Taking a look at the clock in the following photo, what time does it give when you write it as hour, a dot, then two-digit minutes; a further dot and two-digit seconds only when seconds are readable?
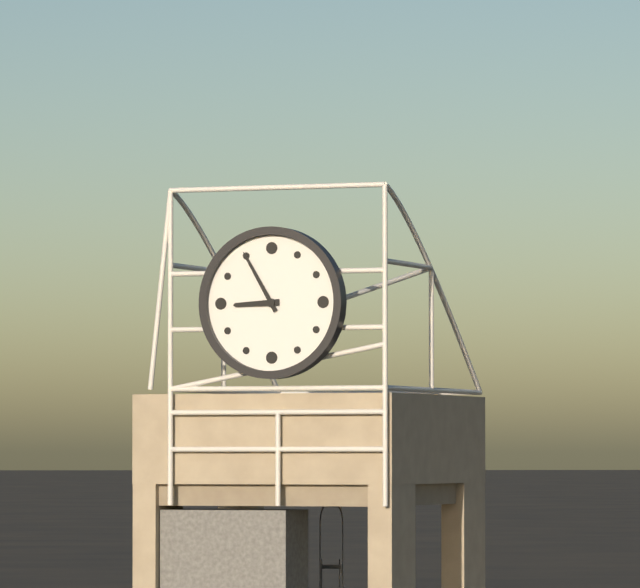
8.55
